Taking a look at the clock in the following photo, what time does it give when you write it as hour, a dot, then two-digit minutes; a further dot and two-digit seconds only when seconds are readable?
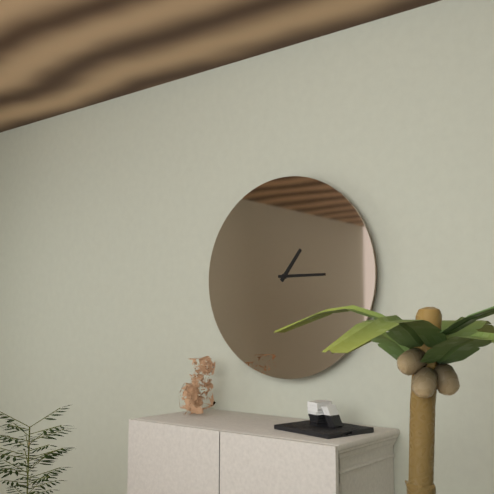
1.15
